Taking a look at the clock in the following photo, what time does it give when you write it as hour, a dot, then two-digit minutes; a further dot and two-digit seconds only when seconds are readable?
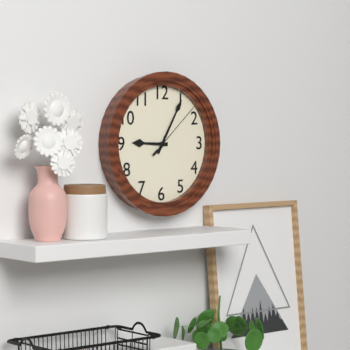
9.05.08
